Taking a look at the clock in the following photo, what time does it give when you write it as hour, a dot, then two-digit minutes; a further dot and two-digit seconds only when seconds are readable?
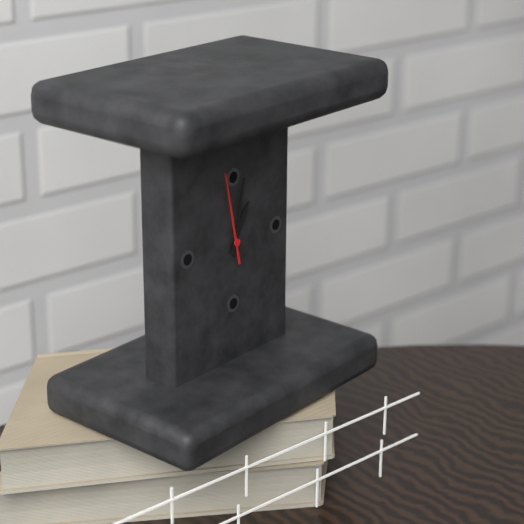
1.02.58
